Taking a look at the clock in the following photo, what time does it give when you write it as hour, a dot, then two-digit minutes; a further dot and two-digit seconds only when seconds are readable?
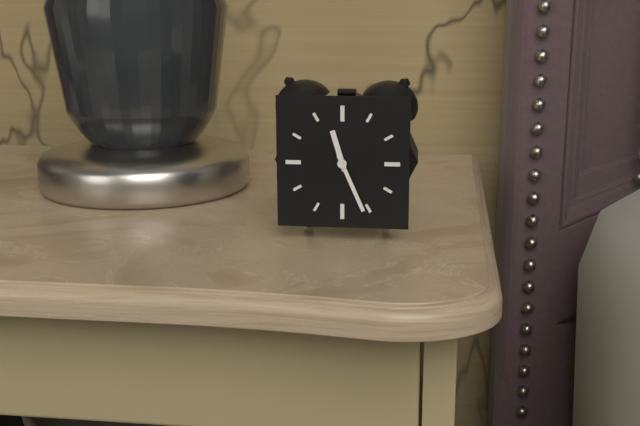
11.26
